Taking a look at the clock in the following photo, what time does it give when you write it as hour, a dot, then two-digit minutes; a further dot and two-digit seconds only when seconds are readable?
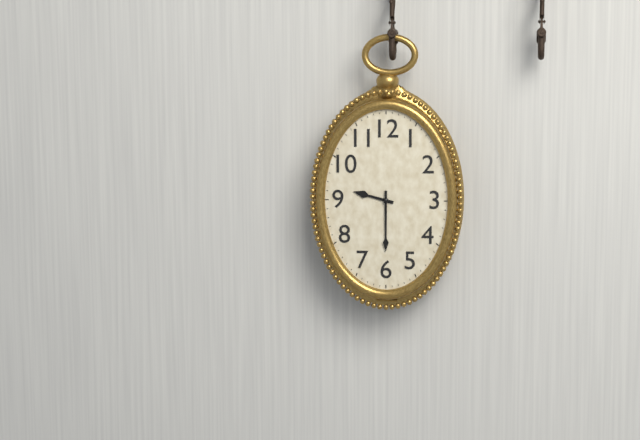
9.30
